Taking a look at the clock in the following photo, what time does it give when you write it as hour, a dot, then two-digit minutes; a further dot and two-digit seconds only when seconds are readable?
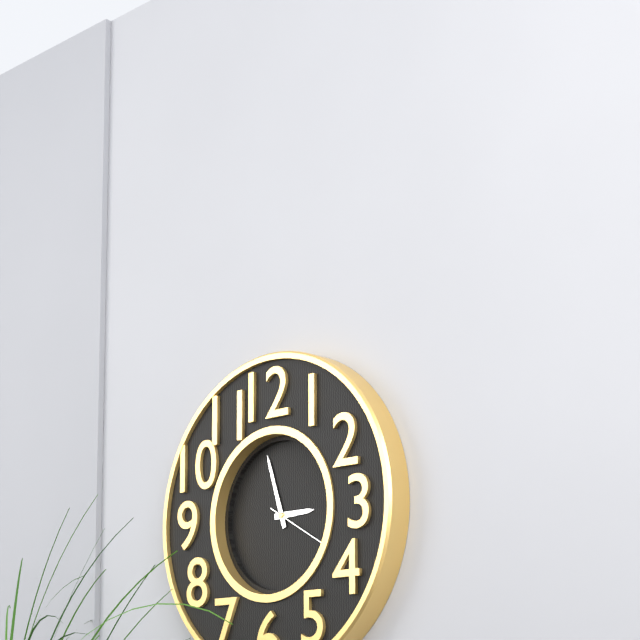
2.57.20
